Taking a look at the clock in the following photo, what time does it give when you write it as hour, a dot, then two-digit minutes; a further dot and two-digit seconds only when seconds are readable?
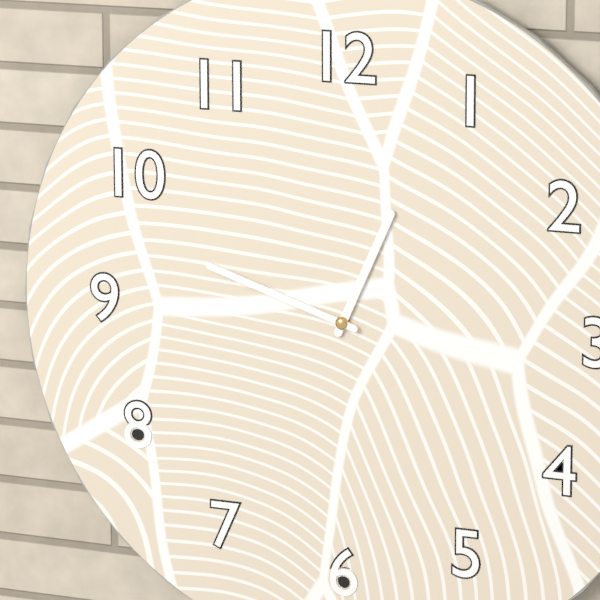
12.48
